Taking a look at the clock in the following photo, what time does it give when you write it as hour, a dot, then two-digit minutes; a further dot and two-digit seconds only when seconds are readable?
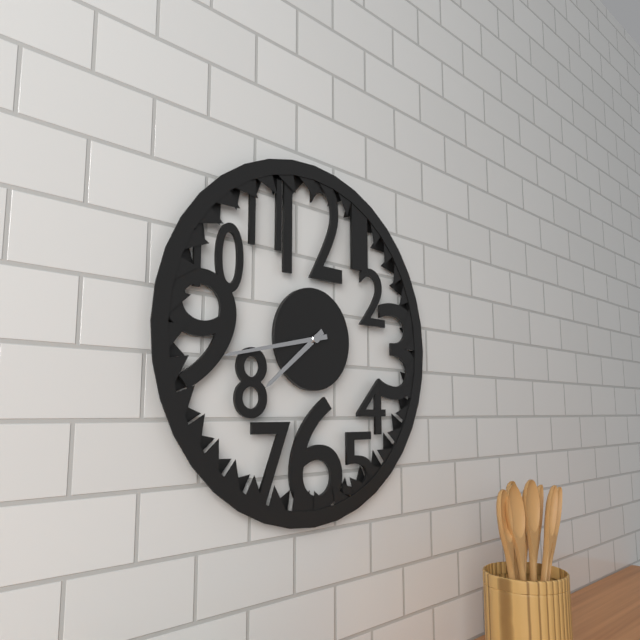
7.43
